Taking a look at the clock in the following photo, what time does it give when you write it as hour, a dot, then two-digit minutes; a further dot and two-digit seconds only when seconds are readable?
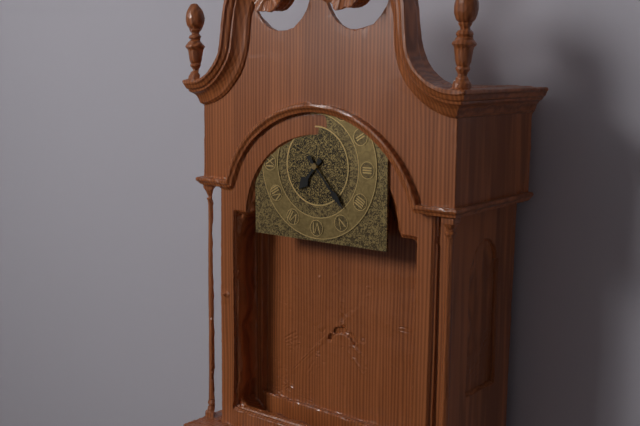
7.23
